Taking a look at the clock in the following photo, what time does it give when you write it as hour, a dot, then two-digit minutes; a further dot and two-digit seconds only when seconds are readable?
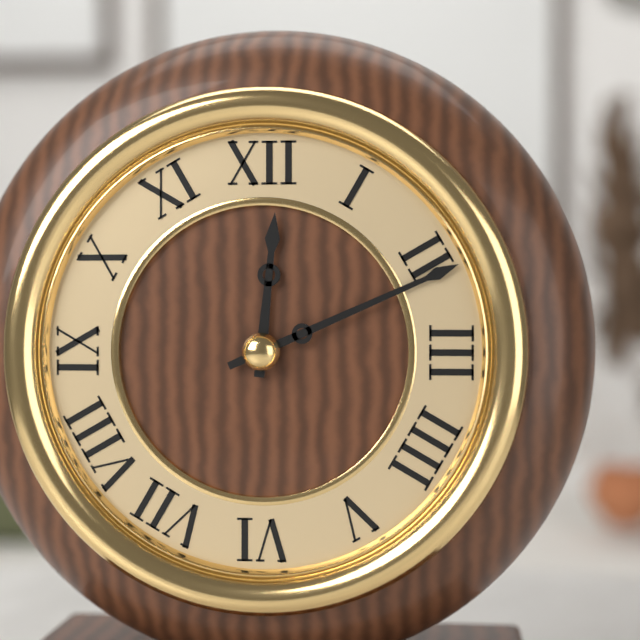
12.11
